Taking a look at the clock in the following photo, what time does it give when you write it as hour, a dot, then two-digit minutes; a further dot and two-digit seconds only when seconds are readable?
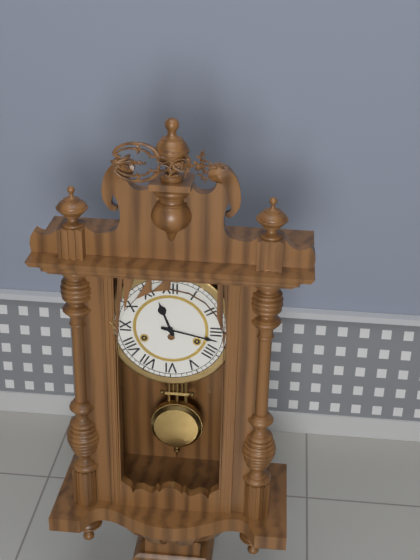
11.17
